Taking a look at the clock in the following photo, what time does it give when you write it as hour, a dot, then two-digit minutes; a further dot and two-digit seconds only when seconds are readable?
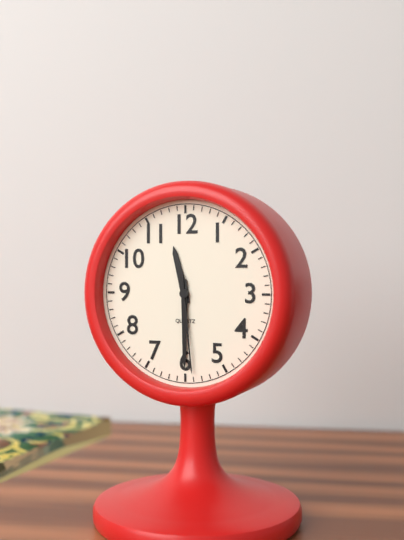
11.30.29
